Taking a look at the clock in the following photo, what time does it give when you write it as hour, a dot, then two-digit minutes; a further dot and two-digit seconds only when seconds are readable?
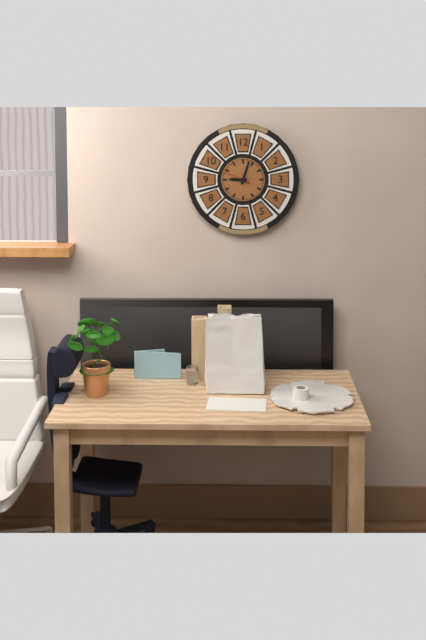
9.03
